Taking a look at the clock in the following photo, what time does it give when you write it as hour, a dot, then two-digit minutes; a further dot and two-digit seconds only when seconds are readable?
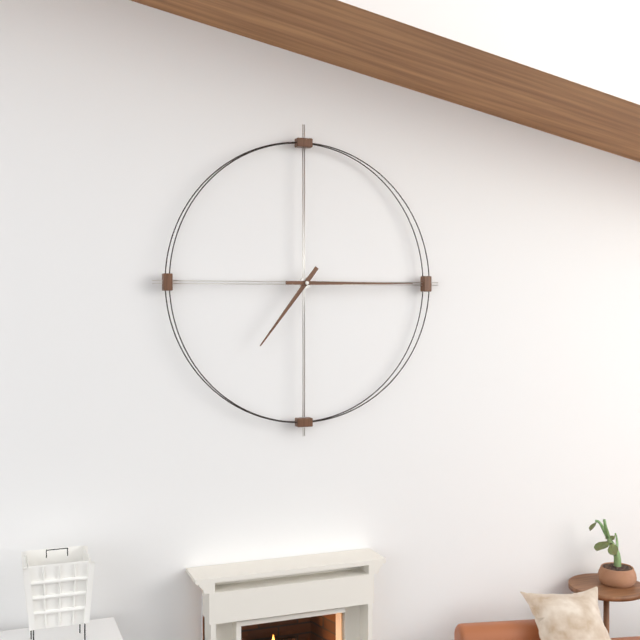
7.15
